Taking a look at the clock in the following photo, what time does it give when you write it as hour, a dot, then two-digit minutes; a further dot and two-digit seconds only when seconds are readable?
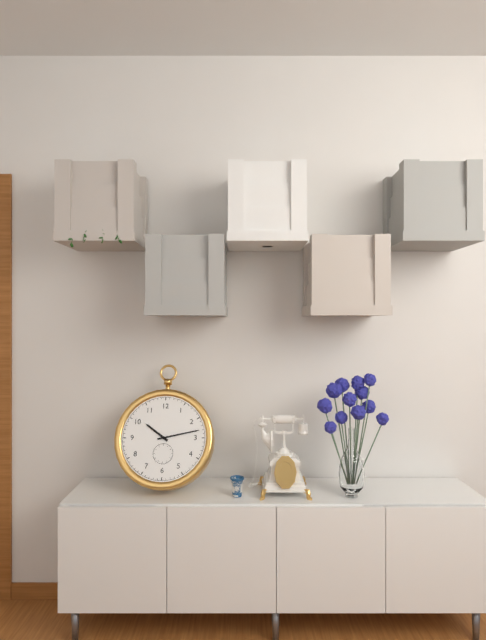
10.13
